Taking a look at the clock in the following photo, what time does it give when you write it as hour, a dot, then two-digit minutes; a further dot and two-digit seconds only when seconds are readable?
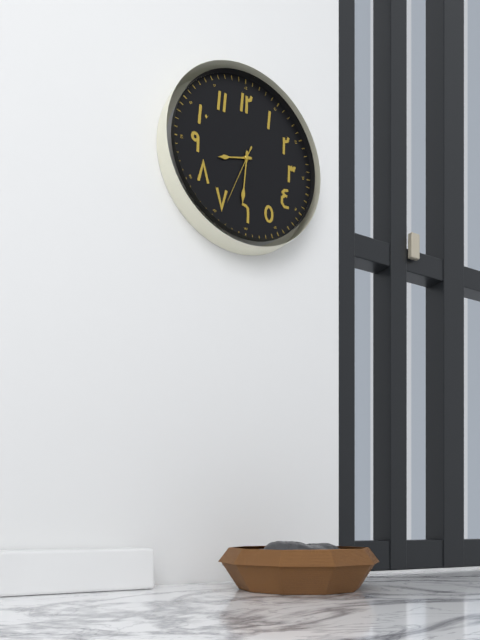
8.31.34
